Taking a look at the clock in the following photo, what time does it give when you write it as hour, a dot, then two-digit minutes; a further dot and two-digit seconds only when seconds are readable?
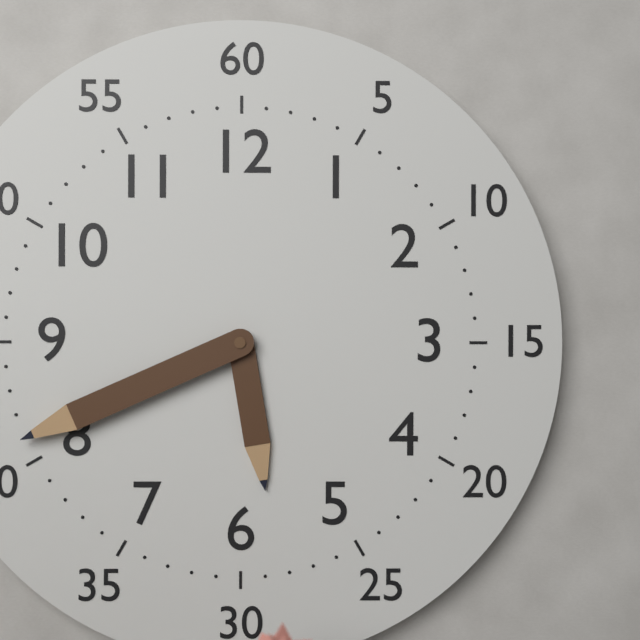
5.41
